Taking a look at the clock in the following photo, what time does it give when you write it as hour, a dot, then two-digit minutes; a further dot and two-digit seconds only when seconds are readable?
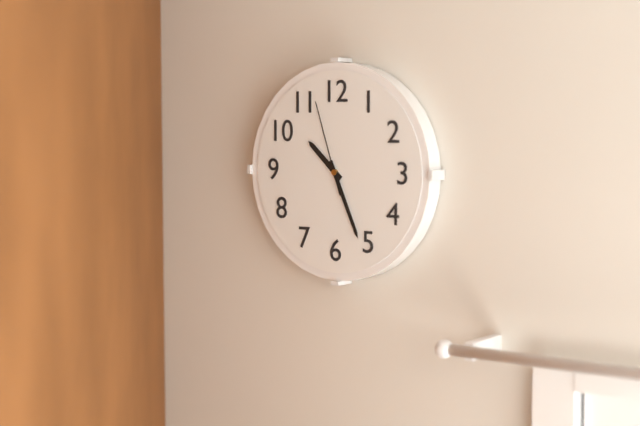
10.26.57
